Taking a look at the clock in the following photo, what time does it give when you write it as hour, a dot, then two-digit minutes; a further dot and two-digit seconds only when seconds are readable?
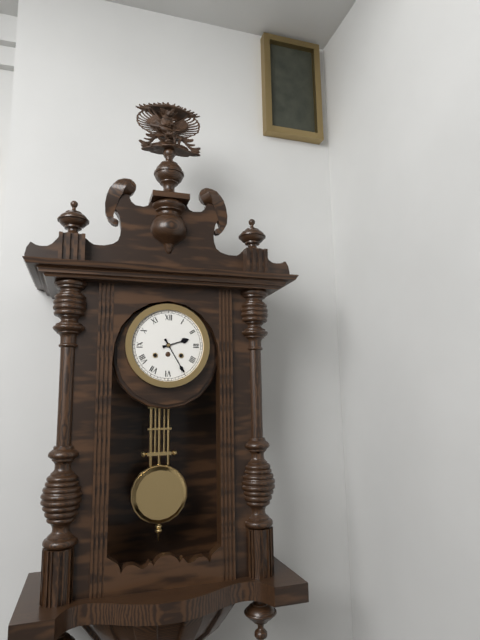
2.25
